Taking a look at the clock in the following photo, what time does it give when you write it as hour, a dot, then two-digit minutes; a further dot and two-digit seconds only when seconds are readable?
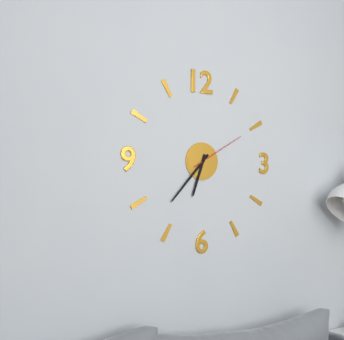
6.37.10
